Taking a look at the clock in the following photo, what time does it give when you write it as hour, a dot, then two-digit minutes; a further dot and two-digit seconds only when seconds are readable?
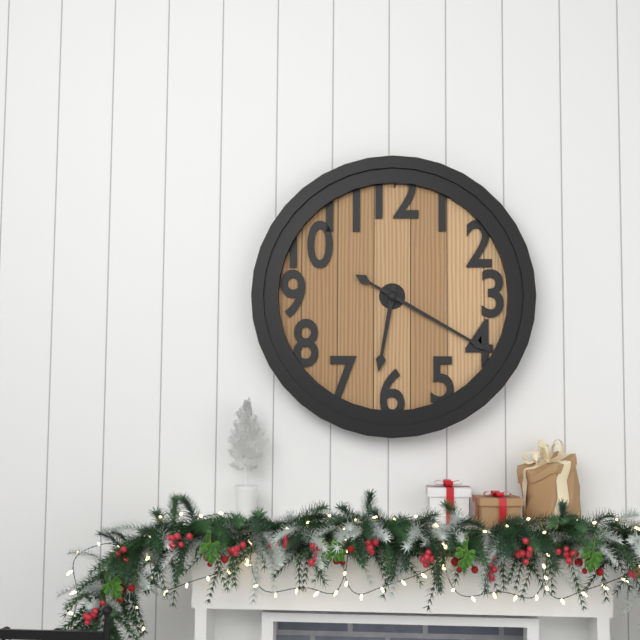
6.20
